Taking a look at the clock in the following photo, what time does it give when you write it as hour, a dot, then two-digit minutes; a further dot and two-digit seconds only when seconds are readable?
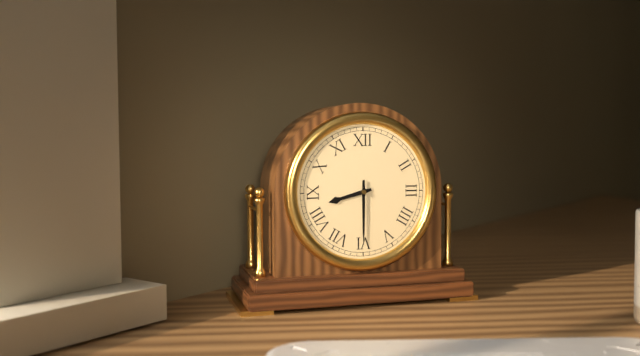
8.30
